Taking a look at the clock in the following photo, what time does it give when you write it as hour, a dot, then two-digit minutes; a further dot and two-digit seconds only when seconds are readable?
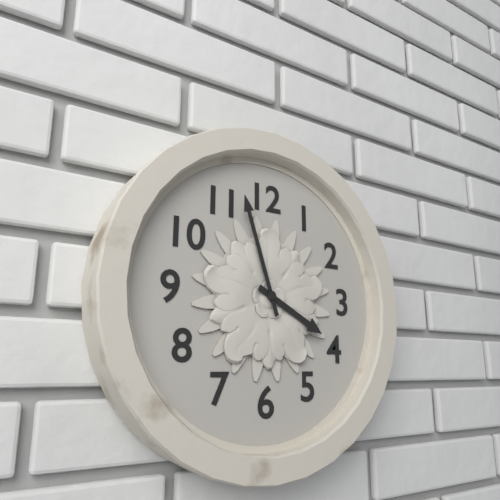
3.57
